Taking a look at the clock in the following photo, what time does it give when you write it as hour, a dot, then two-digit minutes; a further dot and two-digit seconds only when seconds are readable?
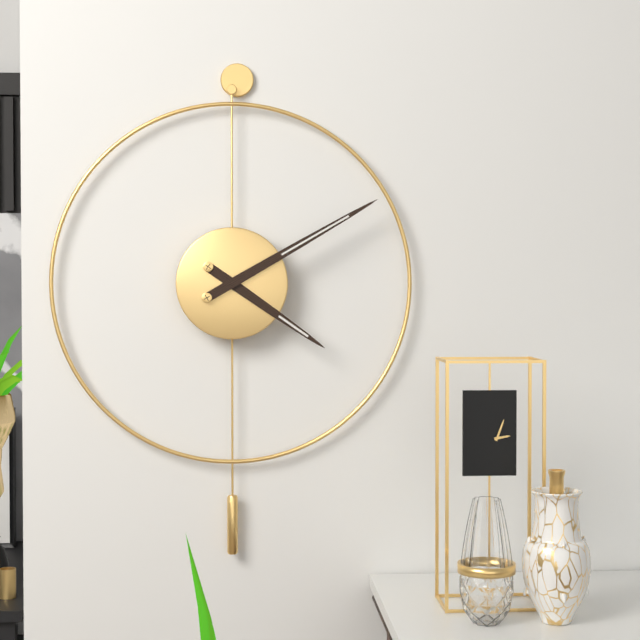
4.10
